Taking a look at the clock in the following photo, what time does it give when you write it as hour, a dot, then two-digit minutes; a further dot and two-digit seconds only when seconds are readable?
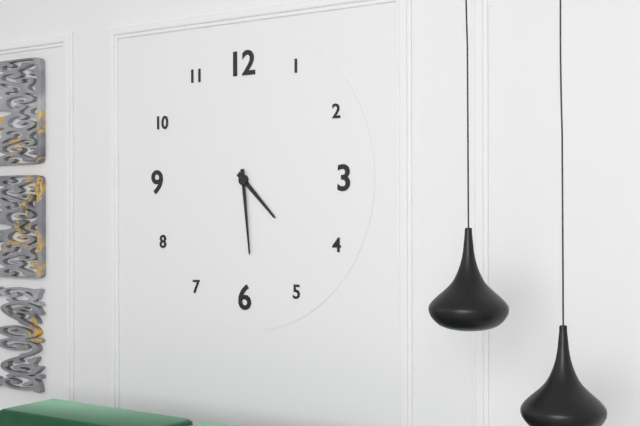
4.29
